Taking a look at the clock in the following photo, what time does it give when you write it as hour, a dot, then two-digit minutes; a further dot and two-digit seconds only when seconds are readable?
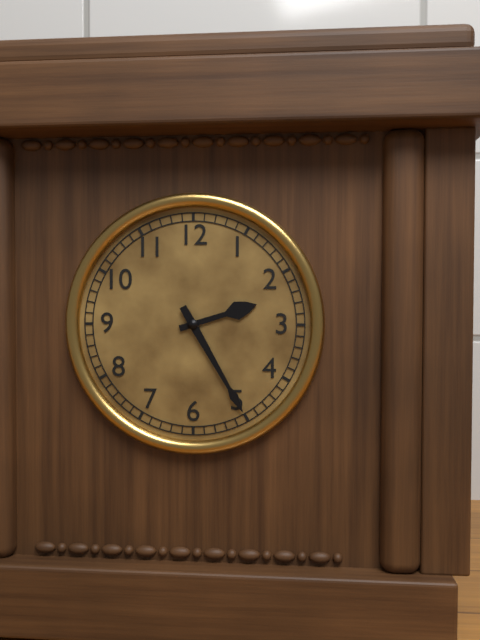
2.25
